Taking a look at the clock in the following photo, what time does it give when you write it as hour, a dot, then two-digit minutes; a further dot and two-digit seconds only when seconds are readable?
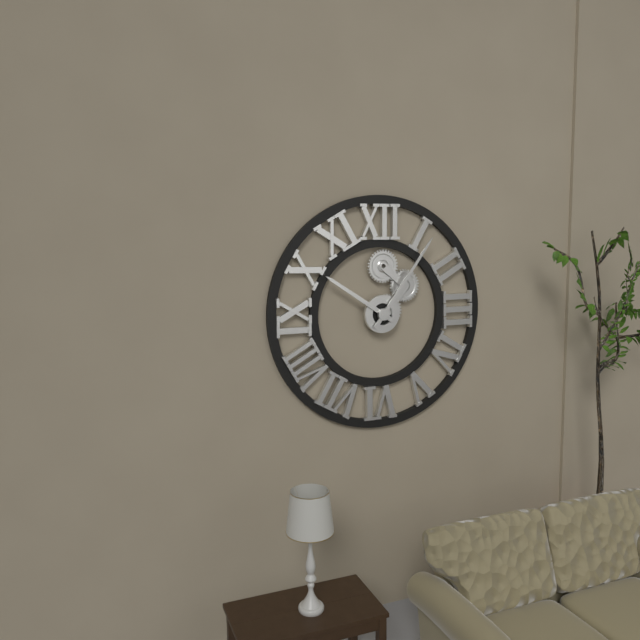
10.06
